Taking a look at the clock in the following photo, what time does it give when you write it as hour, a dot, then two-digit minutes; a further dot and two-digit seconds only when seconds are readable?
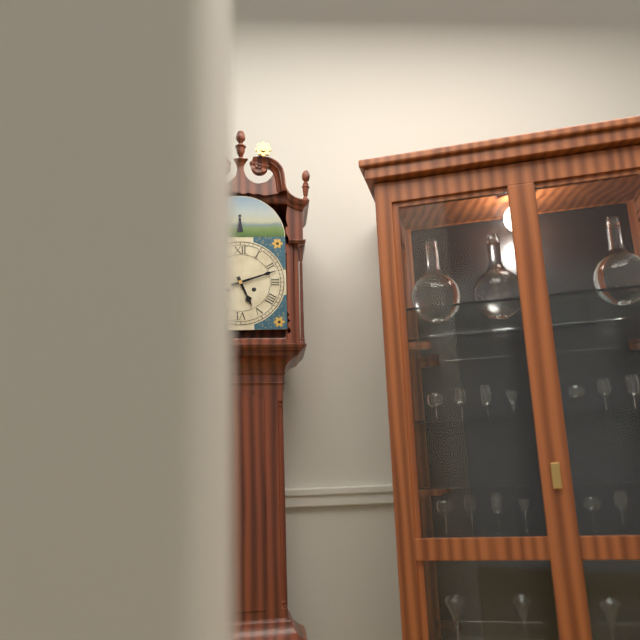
5.12
